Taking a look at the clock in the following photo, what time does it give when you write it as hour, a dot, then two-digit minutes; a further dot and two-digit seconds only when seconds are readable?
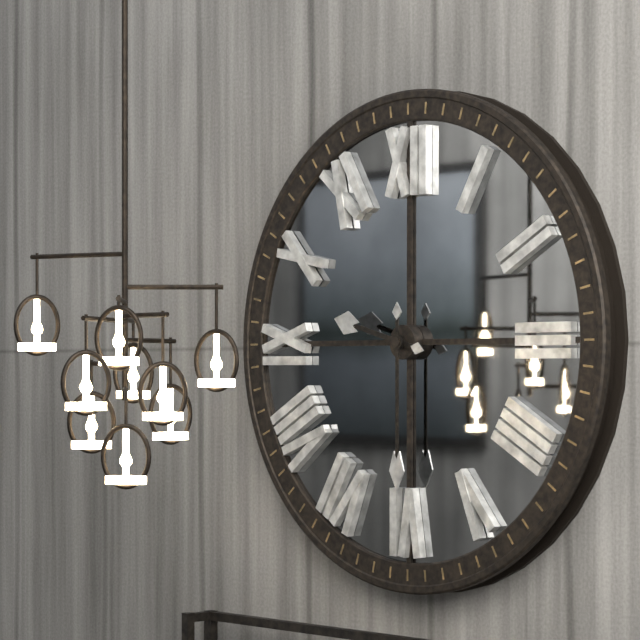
9.30
